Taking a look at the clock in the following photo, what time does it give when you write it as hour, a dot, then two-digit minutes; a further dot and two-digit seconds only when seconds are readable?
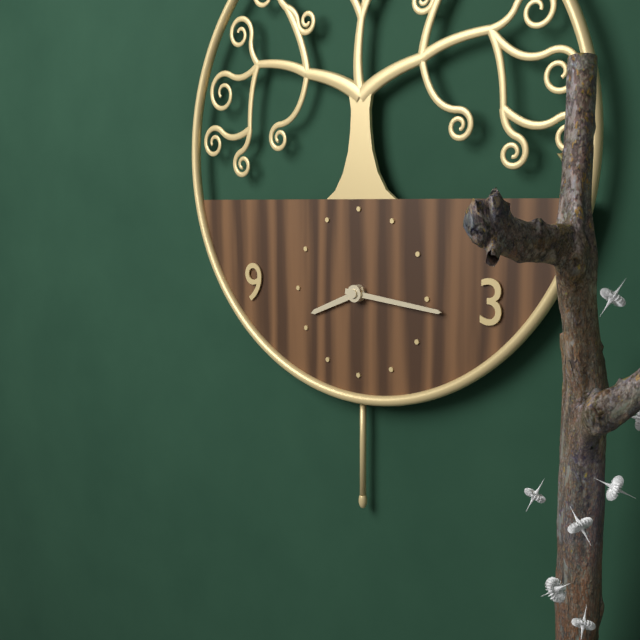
8.16
